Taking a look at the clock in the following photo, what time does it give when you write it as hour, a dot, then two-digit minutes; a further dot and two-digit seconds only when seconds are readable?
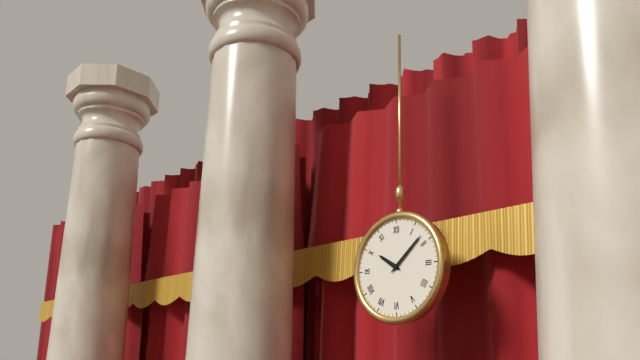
10.08
